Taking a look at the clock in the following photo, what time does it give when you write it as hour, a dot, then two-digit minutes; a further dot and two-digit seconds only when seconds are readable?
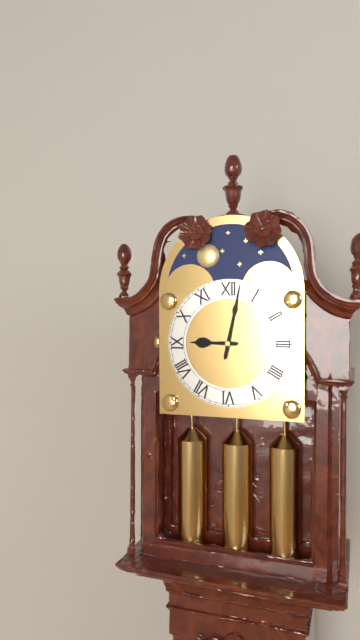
9.02
